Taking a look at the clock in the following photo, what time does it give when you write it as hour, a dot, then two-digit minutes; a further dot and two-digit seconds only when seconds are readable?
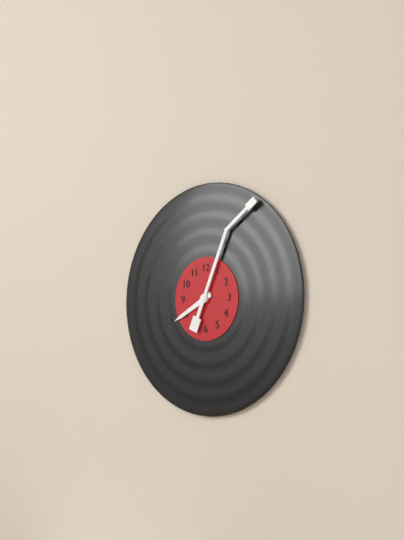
8.04
